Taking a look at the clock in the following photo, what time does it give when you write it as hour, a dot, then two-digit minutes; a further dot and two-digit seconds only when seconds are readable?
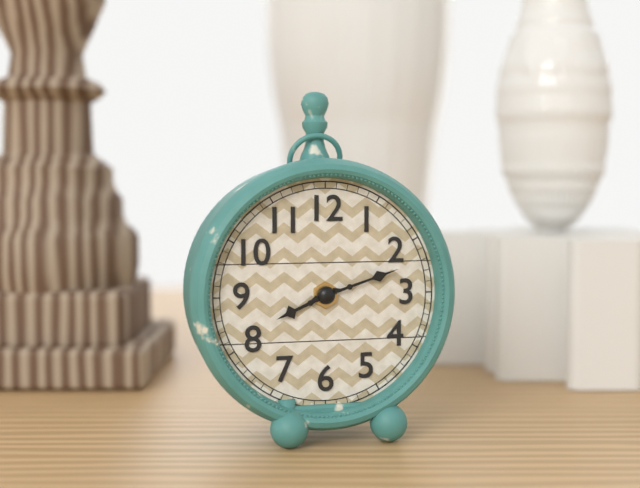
8.12
